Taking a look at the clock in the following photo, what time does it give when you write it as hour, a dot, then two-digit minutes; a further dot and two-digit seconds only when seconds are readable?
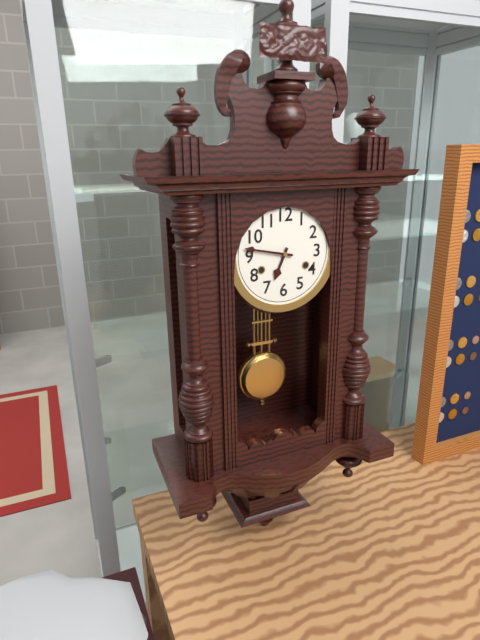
6.47
